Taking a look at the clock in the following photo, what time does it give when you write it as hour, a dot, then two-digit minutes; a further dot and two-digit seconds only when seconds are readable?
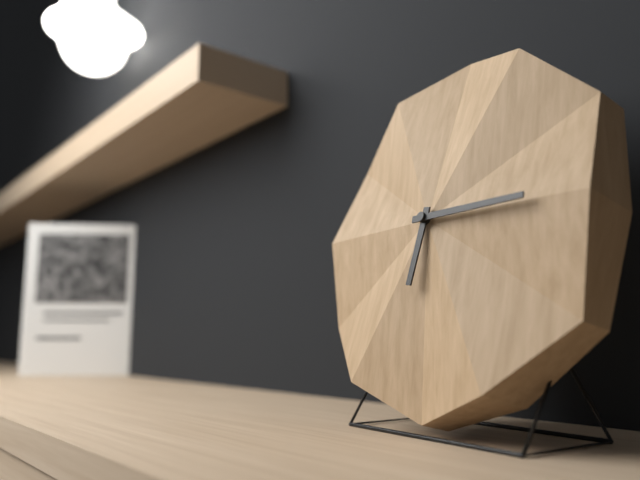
6.15
